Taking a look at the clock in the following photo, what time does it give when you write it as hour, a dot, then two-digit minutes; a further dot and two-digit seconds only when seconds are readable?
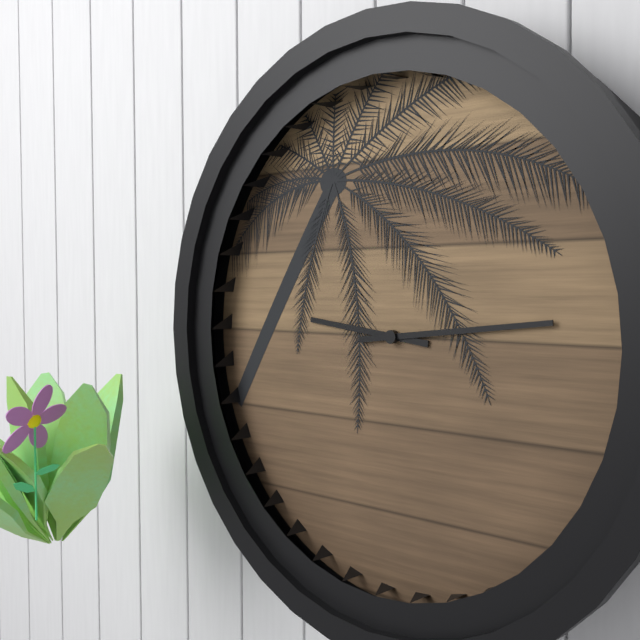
9.14
